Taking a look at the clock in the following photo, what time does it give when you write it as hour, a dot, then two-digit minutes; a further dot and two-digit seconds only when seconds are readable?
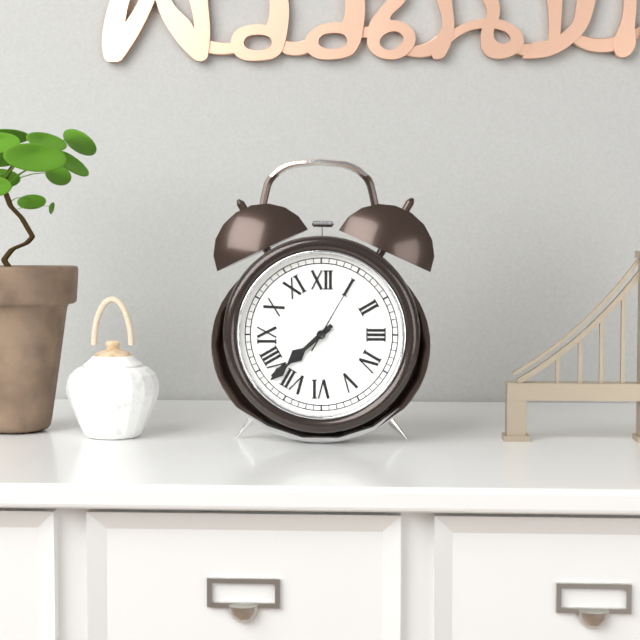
7.38.05
